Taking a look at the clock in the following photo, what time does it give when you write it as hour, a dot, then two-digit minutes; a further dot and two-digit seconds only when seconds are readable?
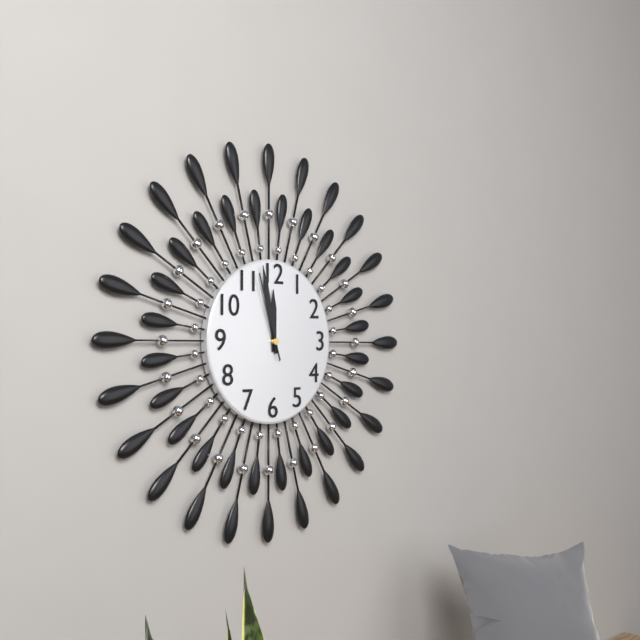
11.58.57
